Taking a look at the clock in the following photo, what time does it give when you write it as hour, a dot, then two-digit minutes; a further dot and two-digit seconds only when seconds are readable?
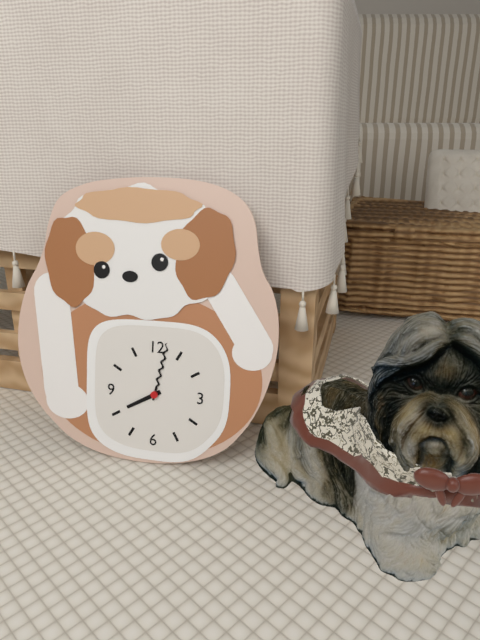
8.02
